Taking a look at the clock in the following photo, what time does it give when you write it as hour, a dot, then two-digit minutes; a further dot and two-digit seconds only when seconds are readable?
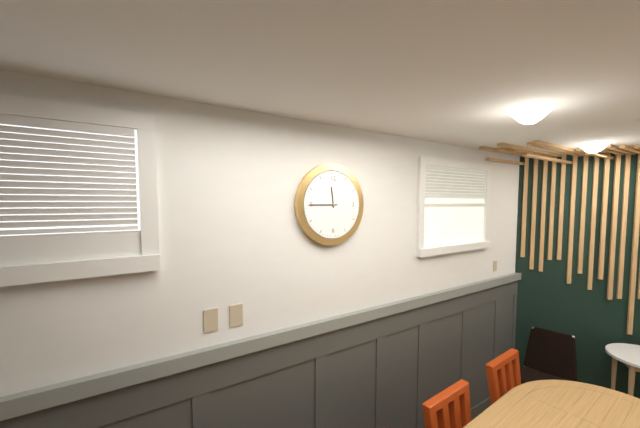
11.45
